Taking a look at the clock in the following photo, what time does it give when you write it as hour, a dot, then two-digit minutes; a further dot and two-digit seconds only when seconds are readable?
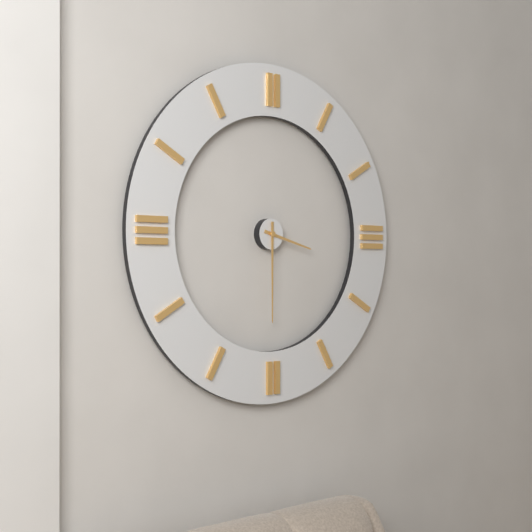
3.30
